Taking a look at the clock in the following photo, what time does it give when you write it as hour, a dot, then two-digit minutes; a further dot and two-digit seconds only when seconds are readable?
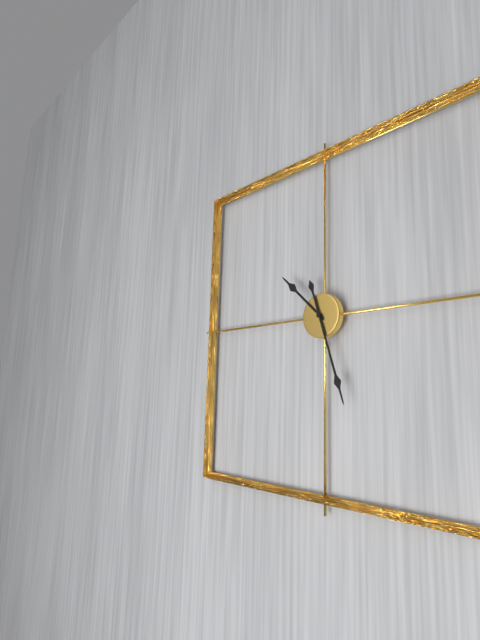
10.27
